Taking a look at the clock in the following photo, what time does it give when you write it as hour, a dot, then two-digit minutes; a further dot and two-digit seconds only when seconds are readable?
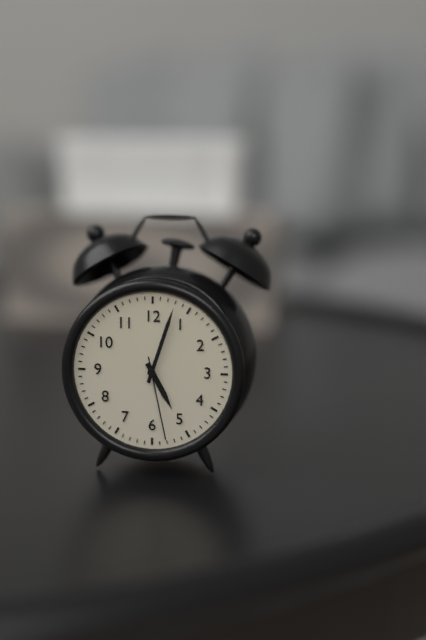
5.03.28
